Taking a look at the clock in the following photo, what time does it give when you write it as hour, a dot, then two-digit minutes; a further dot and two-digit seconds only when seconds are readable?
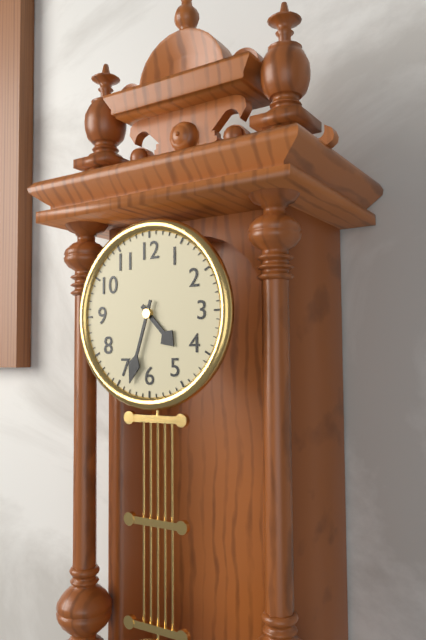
4.33
